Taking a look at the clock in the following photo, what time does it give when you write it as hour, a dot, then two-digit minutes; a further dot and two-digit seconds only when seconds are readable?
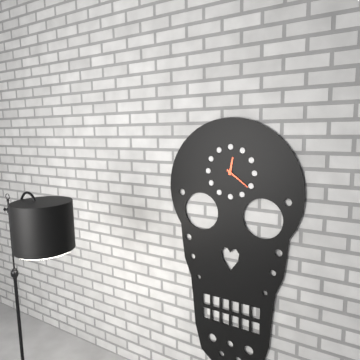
12.21
